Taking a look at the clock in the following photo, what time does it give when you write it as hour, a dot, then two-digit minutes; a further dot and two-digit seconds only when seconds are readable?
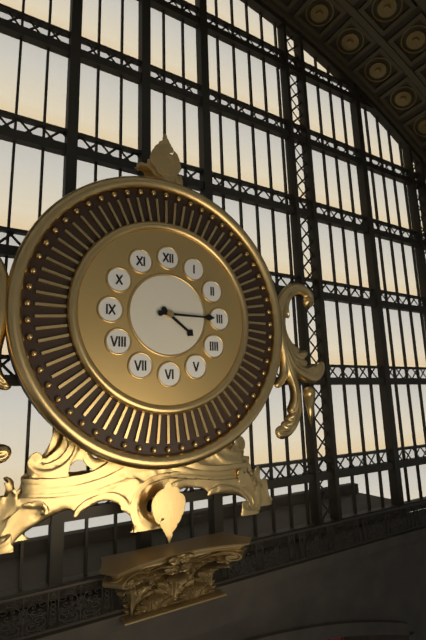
4.15
